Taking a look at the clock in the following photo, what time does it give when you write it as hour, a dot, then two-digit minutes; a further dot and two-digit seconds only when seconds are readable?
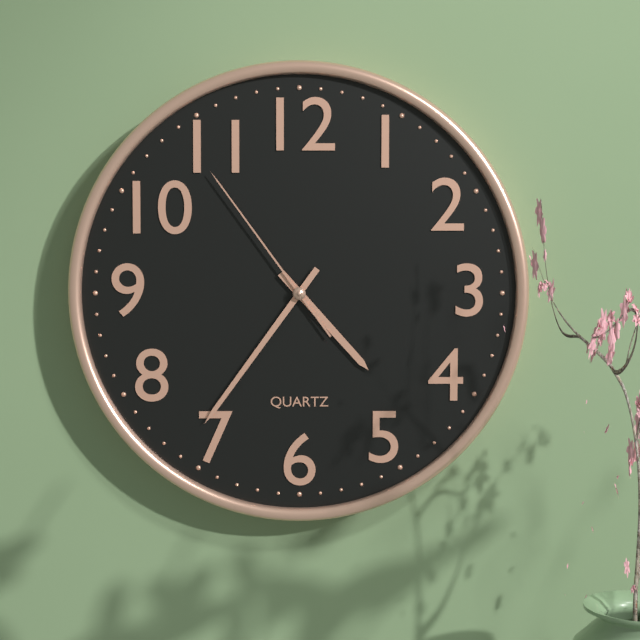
4.36.54
